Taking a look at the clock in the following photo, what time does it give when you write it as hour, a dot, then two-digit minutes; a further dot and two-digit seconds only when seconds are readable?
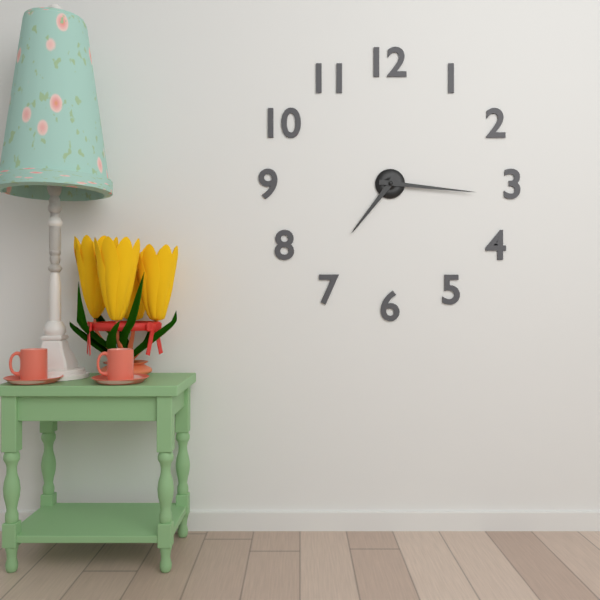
7.16
